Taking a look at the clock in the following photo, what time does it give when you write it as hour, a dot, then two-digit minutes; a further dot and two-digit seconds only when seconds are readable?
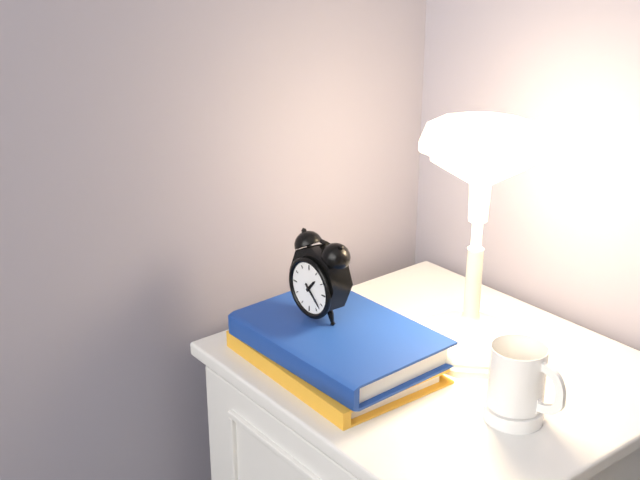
1.22
